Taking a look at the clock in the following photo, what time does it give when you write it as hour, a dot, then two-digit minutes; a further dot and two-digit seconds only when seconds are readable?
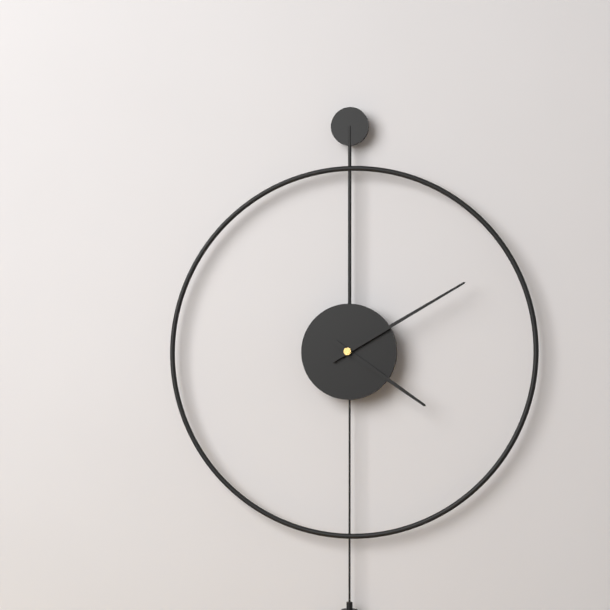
4.10
